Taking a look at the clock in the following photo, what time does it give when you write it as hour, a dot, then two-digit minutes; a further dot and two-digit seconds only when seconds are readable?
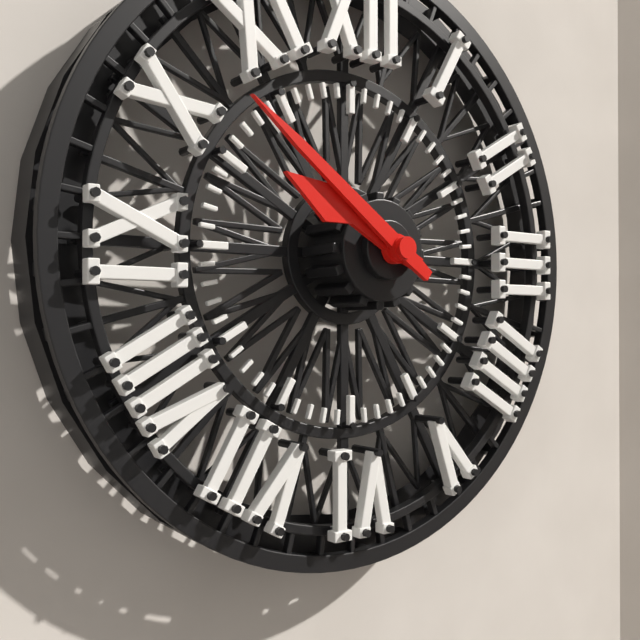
9.51
